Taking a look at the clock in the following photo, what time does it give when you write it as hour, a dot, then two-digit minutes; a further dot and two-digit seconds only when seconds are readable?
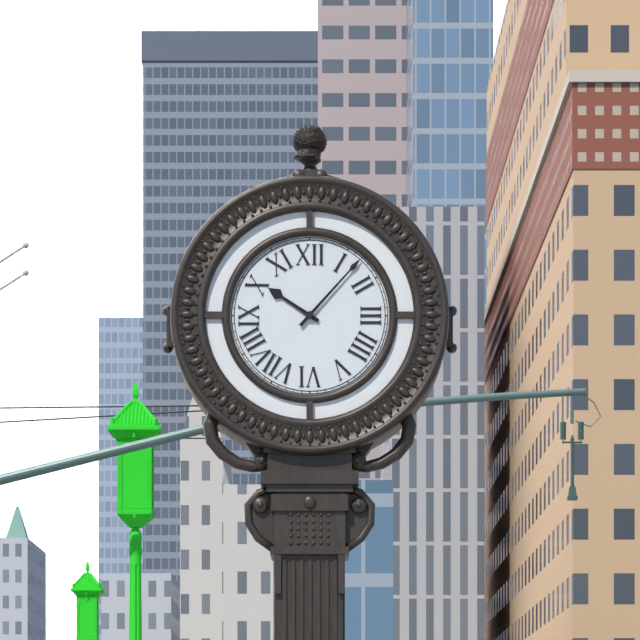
10.07
